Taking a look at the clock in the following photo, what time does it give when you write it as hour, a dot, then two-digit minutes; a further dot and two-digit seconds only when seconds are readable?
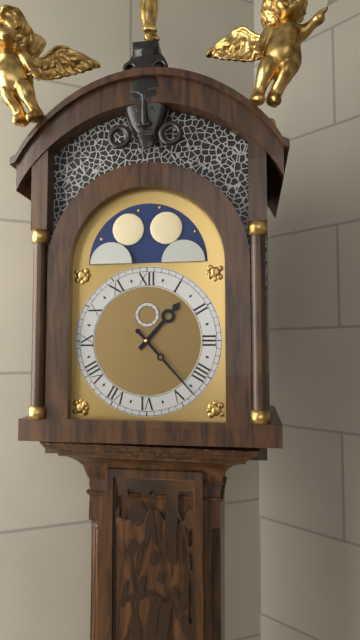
1.23
